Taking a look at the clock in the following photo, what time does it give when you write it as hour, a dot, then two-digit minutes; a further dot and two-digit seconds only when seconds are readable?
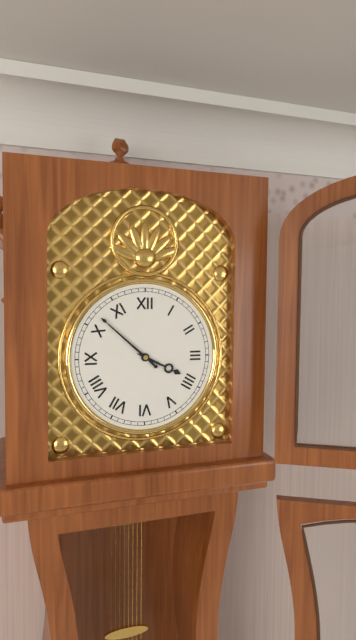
3.52
